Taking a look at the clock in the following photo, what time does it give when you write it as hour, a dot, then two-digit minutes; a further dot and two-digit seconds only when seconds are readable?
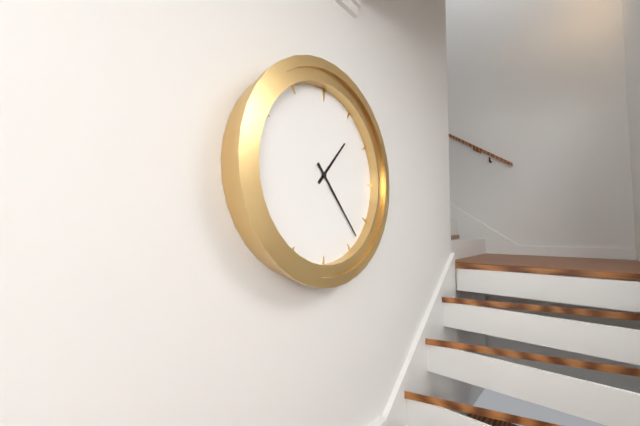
1.23
